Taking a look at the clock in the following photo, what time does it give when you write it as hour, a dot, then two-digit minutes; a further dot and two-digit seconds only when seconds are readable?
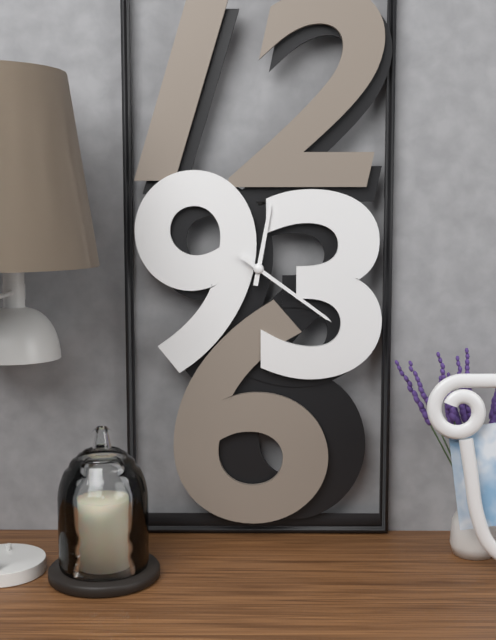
12.21
